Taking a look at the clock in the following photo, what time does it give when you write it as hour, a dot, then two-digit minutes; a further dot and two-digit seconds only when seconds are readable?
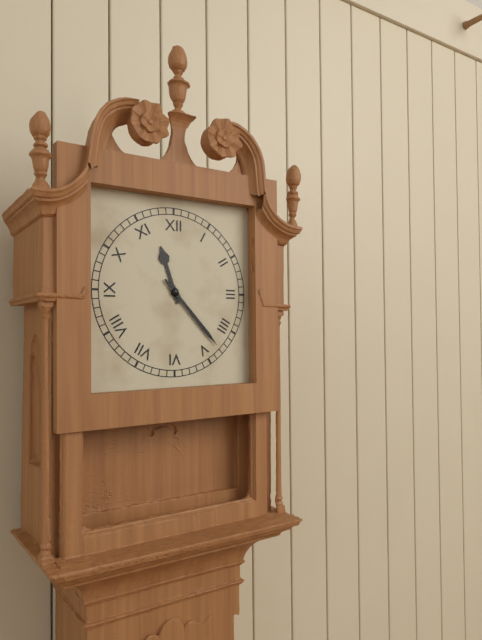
11.23
